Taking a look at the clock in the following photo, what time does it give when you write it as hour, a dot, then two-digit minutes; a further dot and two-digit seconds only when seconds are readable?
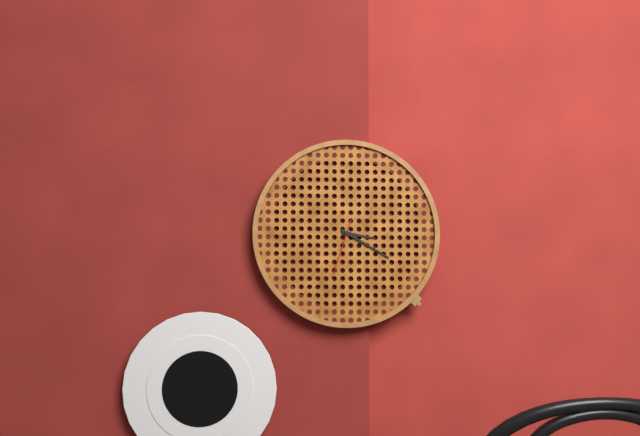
3.20.33
